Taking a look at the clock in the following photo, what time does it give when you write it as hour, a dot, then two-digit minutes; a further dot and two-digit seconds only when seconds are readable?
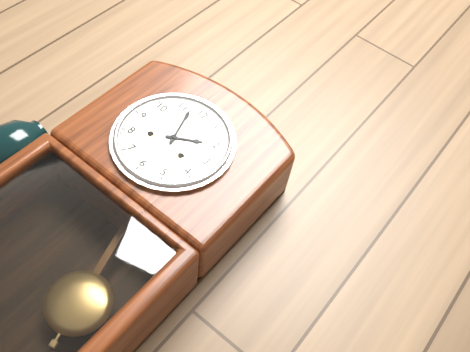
1.57
